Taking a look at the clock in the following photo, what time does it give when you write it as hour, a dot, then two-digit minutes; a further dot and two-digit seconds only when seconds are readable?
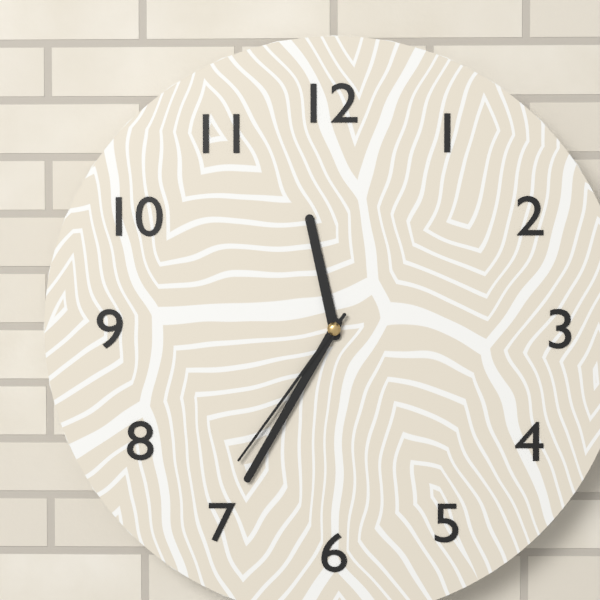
11.35.36
